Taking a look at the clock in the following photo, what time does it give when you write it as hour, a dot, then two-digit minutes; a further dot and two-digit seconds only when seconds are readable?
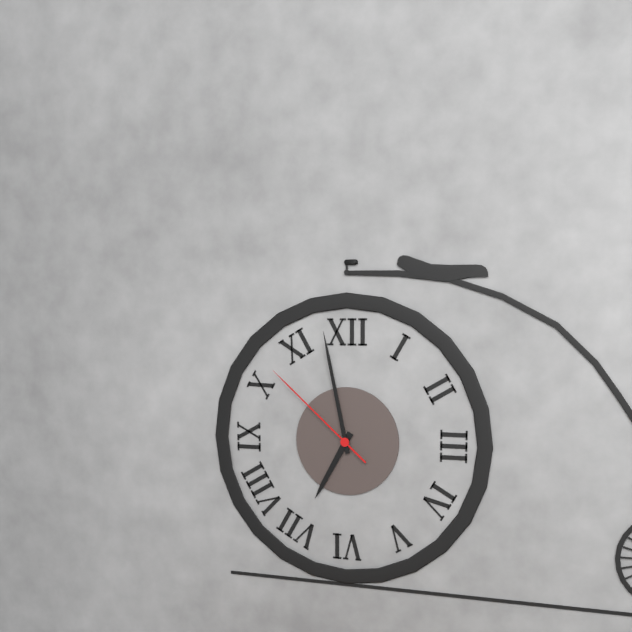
6.58.52
